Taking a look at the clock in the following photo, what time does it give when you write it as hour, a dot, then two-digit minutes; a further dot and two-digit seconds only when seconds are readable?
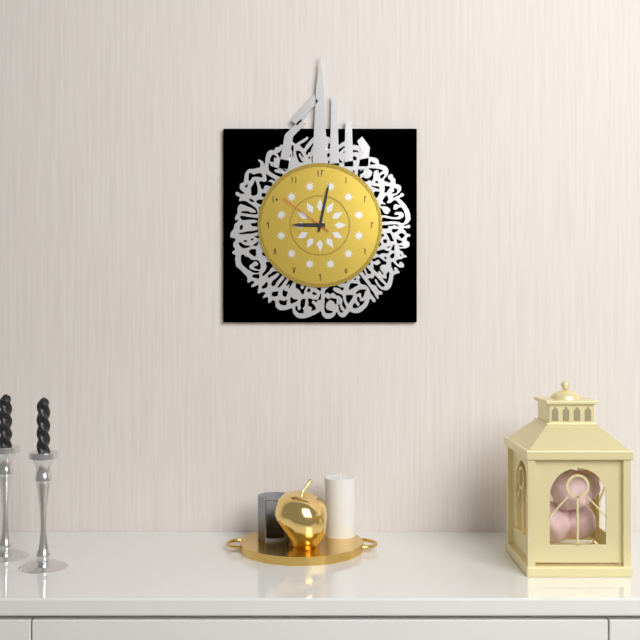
9.02.51
